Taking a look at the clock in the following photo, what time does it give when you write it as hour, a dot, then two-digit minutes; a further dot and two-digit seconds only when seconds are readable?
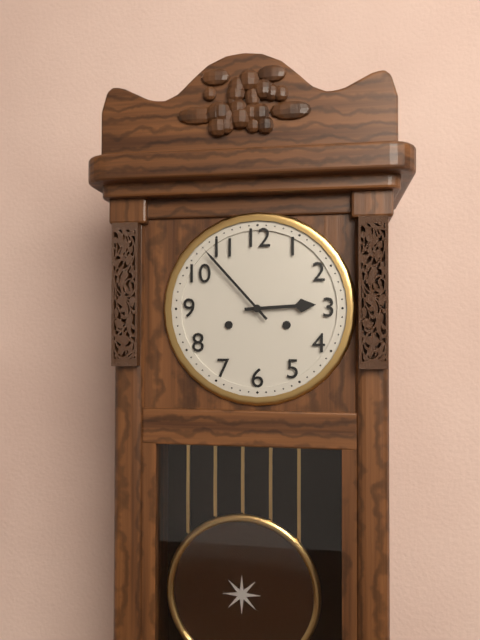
2.53
